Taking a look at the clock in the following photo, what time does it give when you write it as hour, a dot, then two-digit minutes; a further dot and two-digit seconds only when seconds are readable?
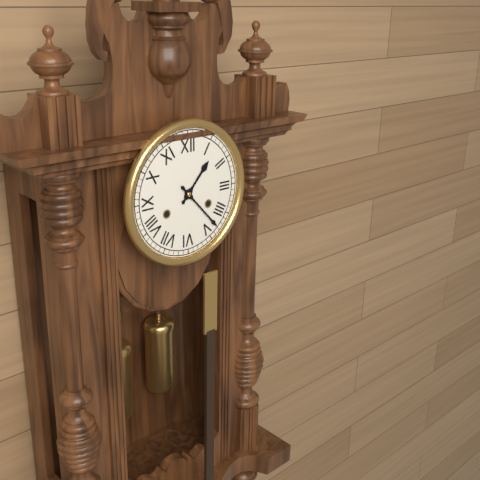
1.23
